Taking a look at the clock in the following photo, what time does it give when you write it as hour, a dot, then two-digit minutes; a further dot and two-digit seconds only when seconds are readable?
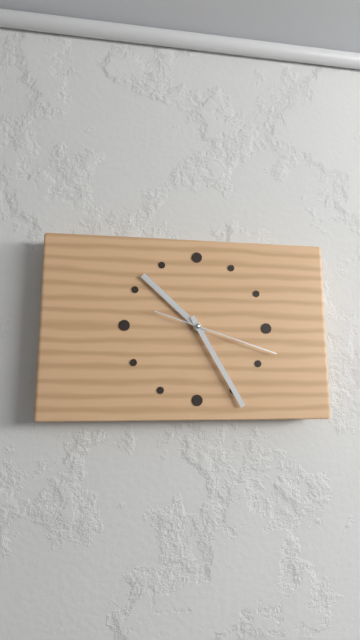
10.25.18
